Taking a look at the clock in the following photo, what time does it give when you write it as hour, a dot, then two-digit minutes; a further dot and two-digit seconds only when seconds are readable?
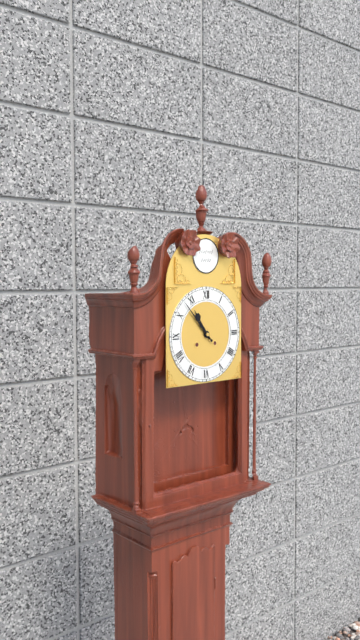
10.53
